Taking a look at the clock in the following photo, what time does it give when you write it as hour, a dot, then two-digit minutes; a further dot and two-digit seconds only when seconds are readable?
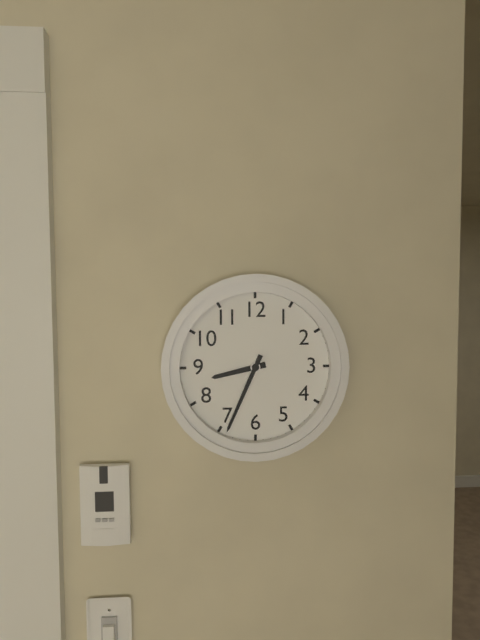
8.34
